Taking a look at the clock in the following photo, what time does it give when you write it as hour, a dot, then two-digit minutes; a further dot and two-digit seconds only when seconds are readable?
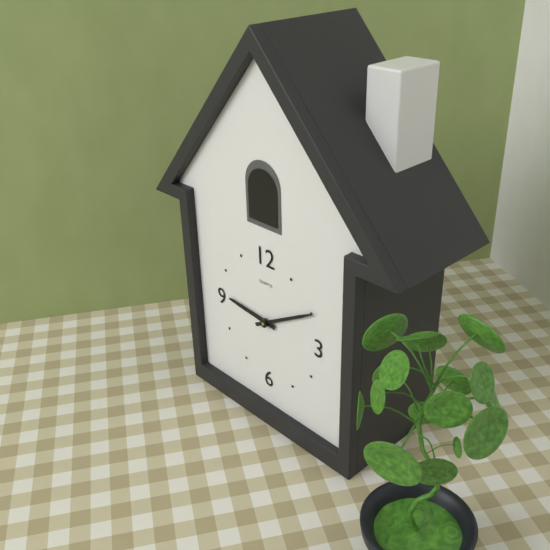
9.10
